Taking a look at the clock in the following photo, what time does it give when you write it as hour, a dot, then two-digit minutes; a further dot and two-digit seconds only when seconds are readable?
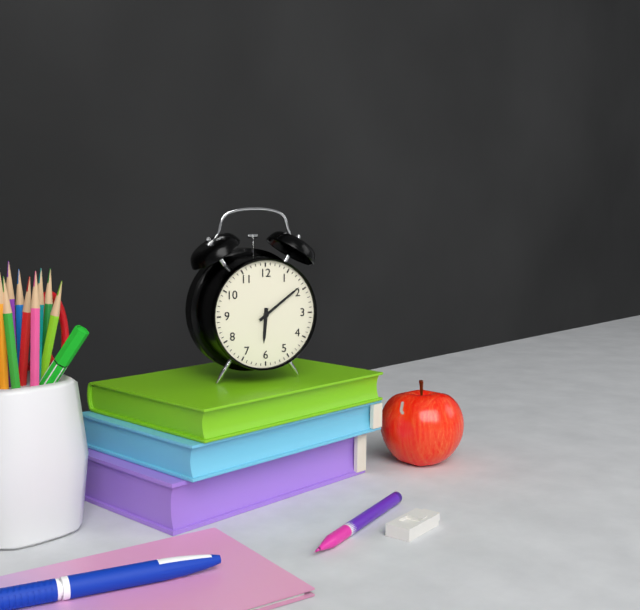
6.09
